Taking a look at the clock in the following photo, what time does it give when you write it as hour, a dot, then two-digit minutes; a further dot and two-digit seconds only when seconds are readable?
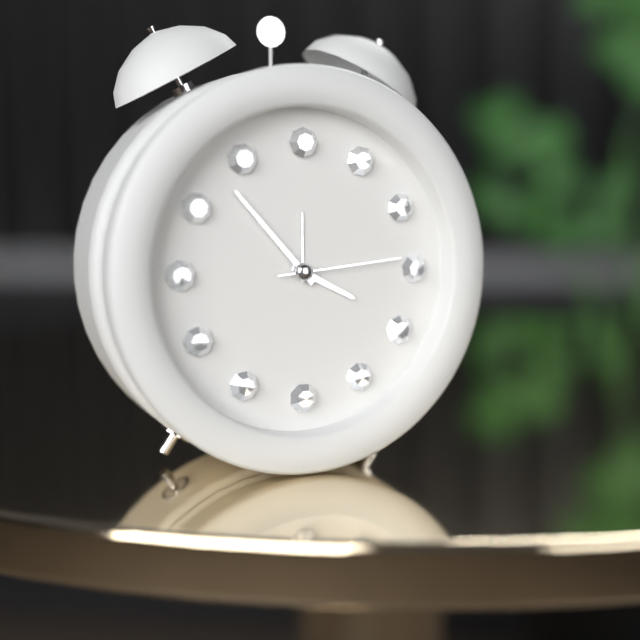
3.53.14
